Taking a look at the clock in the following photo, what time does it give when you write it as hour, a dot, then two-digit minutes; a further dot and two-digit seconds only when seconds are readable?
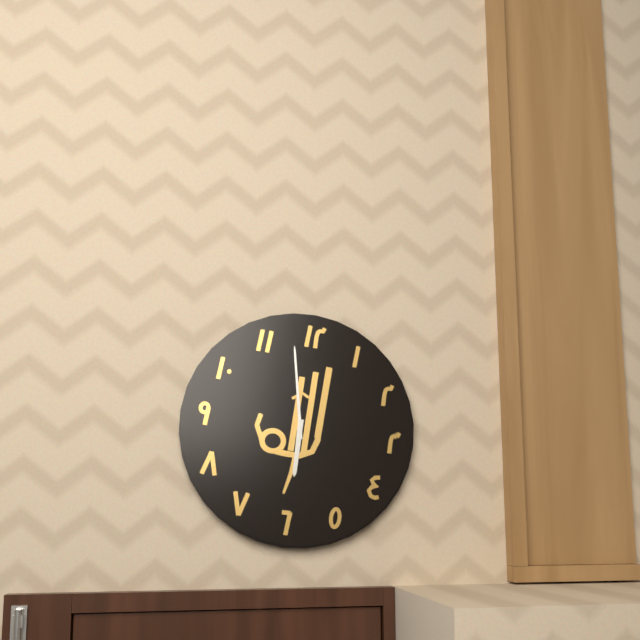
5.58
